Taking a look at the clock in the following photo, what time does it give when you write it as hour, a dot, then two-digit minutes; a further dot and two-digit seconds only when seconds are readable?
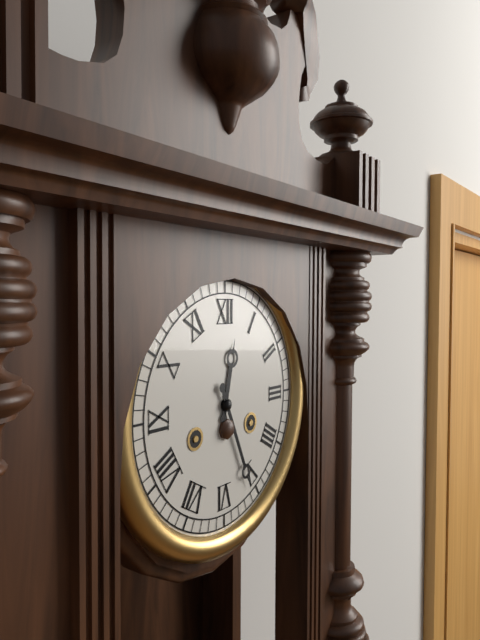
12.26
